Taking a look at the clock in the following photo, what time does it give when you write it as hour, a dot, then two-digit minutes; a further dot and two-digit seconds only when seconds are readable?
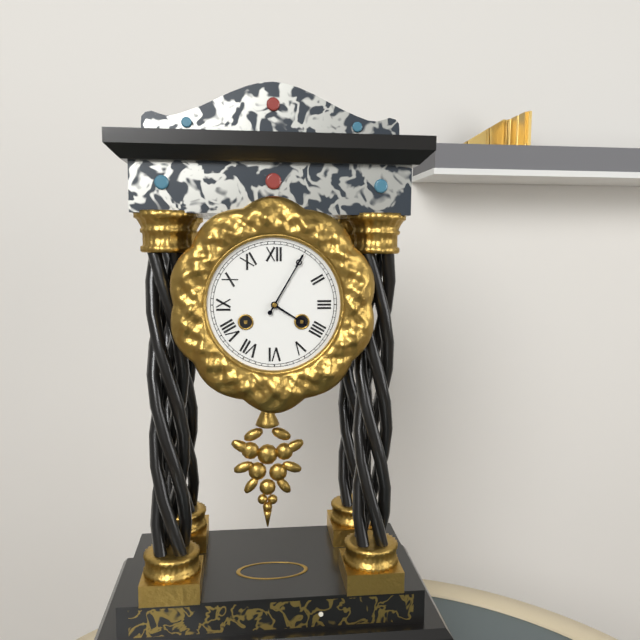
4.05
